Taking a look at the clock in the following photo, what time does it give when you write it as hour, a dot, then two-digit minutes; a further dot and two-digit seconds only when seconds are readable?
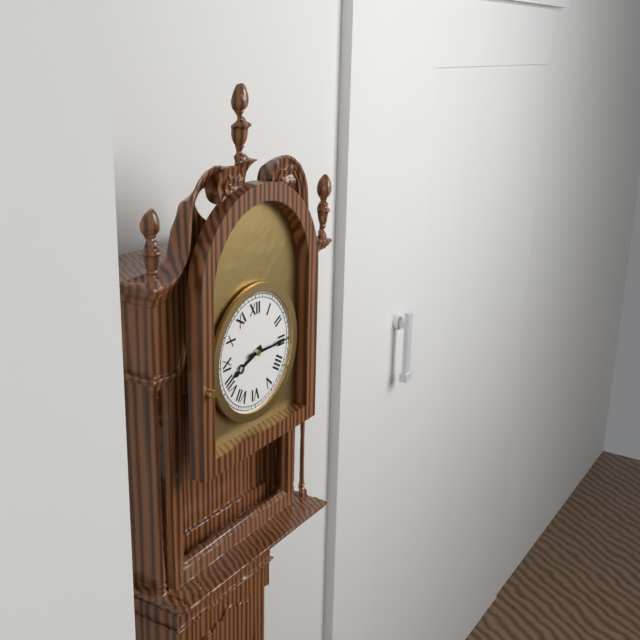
8.15
